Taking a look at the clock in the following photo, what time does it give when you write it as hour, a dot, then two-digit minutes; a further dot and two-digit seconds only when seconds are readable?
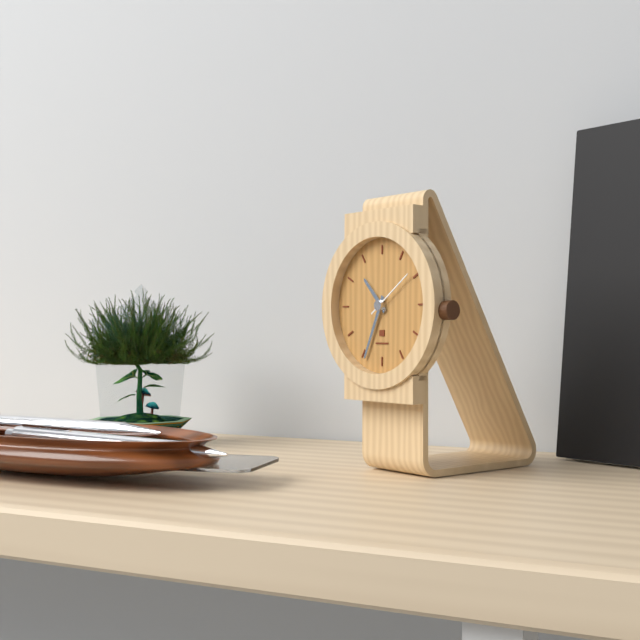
10.34.09
